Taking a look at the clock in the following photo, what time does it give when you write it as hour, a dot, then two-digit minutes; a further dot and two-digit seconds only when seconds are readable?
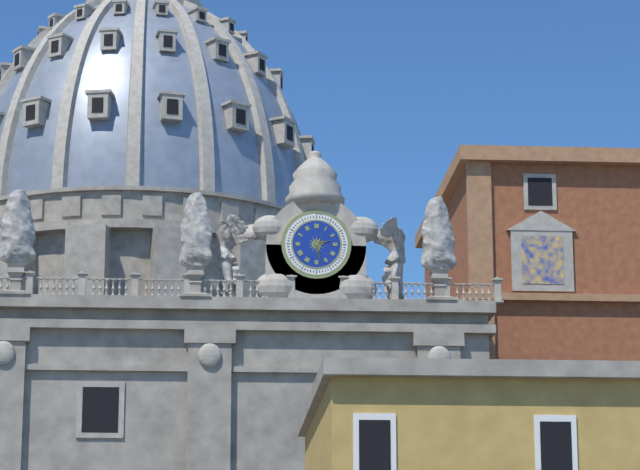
2.28
